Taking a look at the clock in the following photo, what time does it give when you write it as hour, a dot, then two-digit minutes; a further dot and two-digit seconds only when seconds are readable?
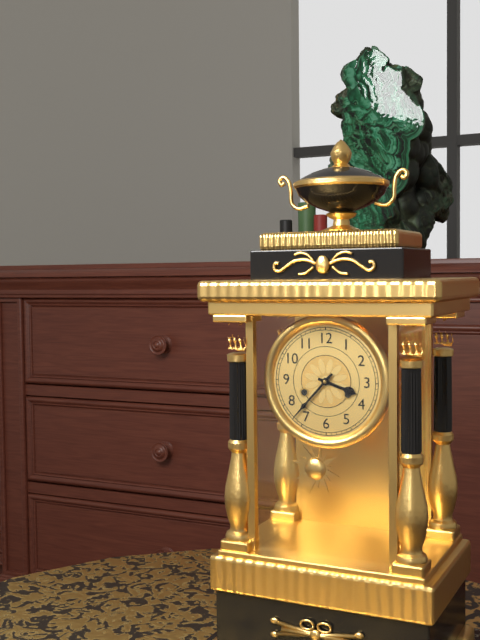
3.37
